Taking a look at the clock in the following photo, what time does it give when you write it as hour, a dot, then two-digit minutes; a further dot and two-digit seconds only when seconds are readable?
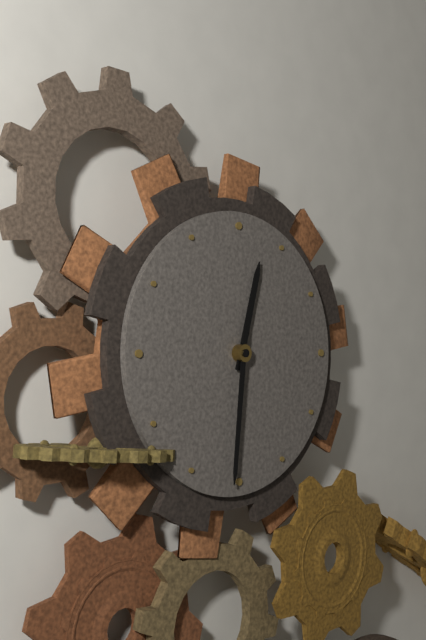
12.31
